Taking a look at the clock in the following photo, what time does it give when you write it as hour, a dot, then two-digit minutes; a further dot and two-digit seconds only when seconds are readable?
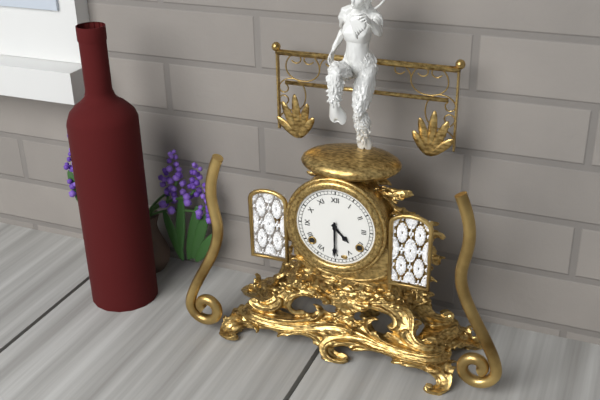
4.30
